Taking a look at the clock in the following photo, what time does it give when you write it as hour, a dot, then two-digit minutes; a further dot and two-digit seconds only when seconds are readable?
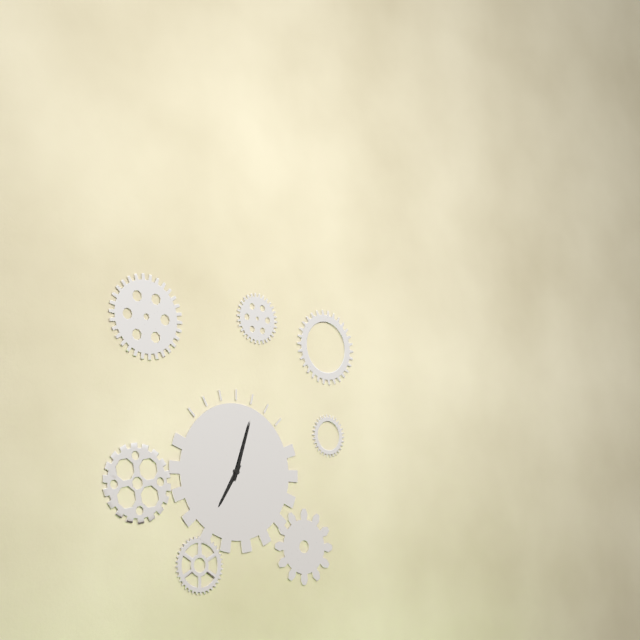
7.03
